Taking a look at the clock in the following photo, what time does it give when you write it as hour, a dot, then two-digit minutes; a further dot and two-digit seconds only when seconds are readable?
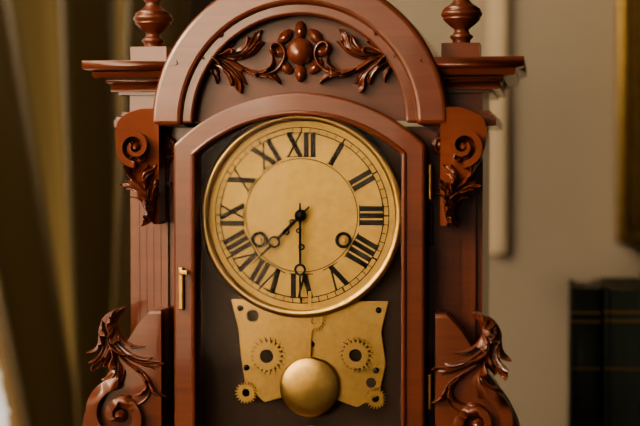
7.30
